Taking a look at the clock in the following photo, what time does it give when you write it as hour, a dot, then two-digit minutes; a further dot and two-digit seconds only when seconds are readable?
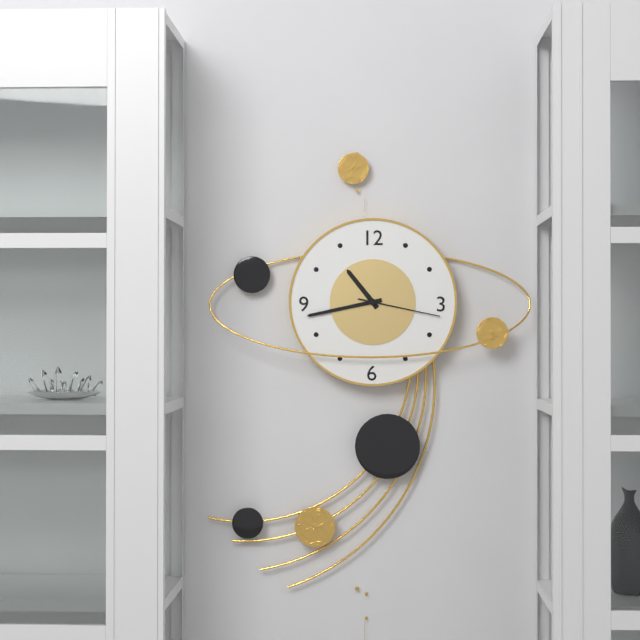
10.43.17
